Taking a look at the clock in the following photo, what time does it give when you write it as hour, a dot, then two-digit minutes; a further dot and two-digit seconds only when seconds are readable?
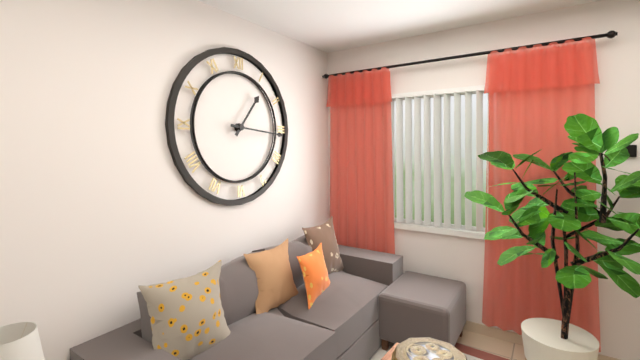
1.16
